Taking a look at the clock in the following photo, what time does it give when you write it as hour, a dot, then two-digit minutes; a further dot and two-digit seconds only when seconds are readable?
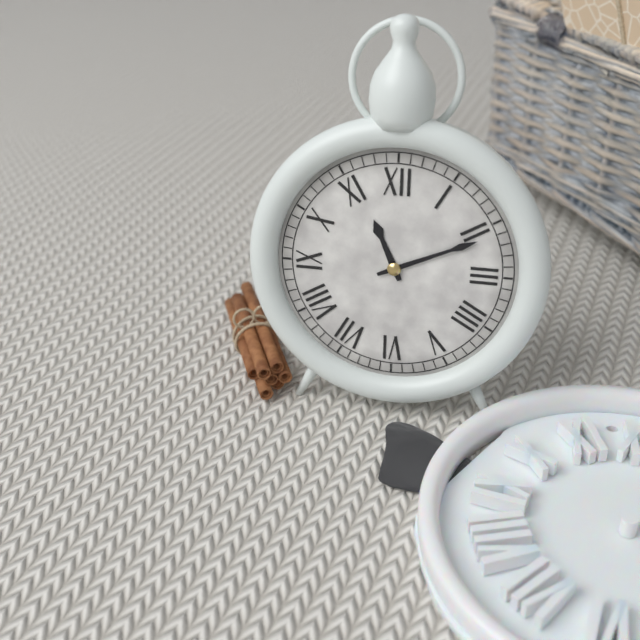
11.11
